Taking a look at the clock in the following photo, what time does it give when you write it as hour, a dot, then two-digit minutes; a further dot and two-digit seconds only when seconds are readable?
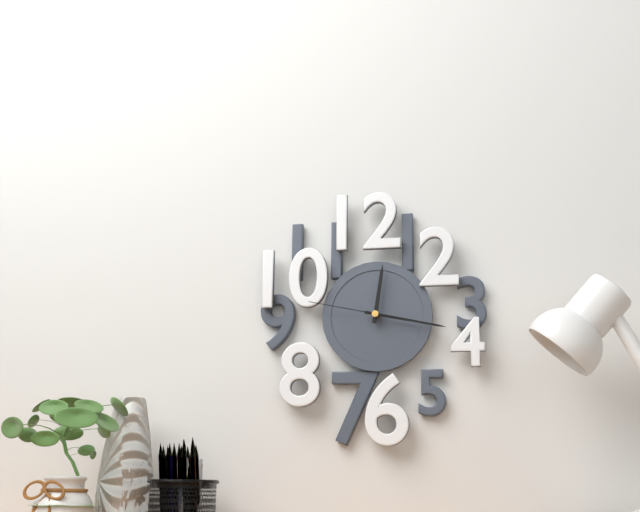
12.17.47
